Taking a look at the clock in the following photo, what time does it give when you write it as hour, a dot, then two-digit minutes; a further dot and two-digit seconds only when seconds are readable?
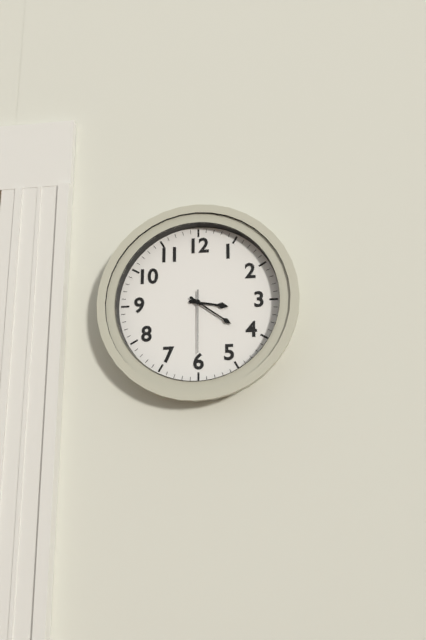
3.21.30
